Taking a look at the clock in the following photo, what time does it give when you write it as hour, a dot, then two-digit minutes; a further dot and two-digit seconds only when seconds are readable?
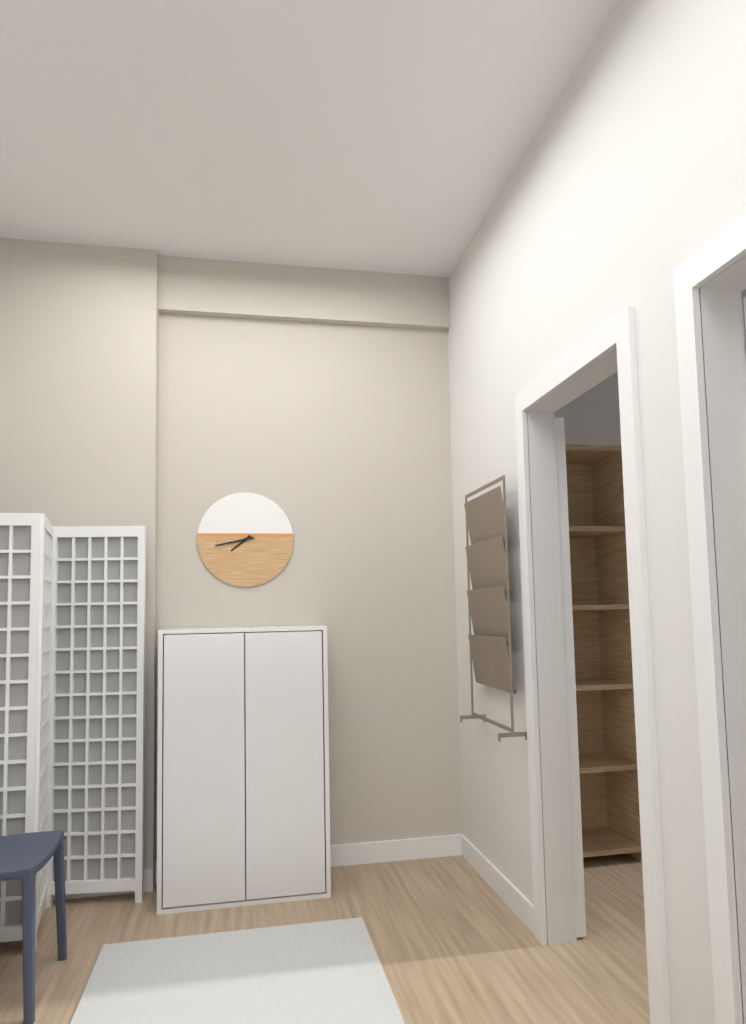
7.43
